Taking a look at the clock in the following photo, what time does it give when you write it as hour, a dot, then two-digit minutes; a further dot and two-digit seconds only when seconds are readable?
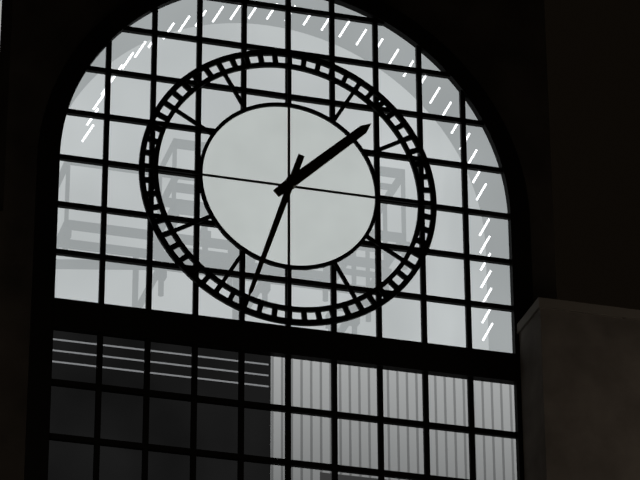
1.33
